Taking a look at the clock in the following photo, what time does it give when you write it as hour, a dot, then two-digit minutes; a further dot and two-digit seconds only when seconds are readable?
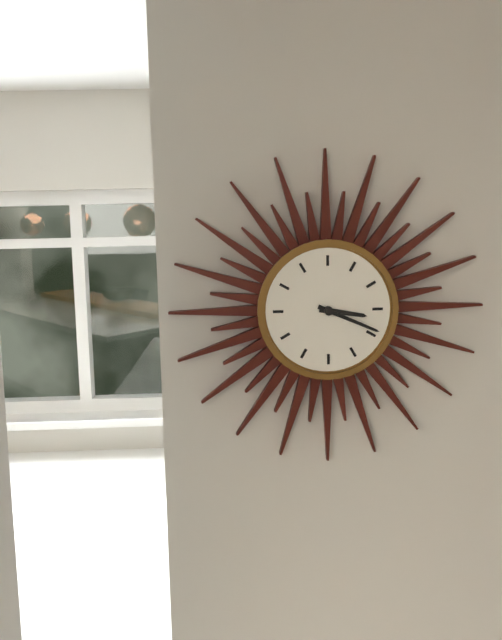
3.19
